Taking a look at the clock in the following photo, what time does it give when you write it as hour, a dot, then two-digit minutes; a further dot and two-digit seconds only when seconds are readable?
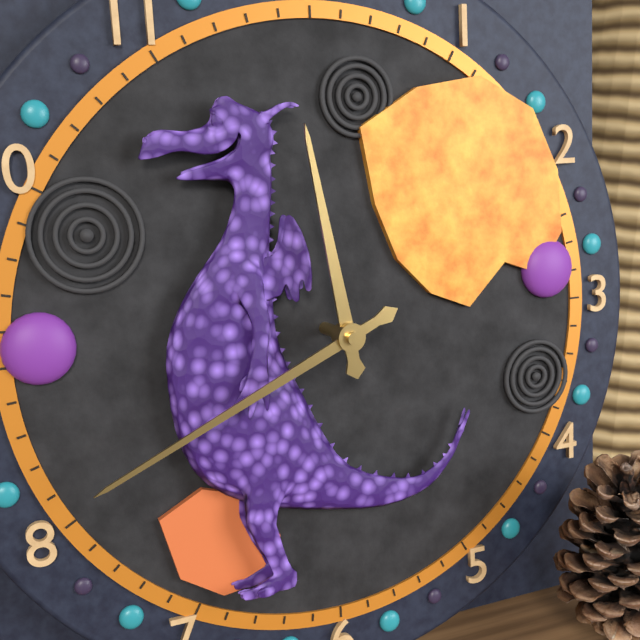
11.41
